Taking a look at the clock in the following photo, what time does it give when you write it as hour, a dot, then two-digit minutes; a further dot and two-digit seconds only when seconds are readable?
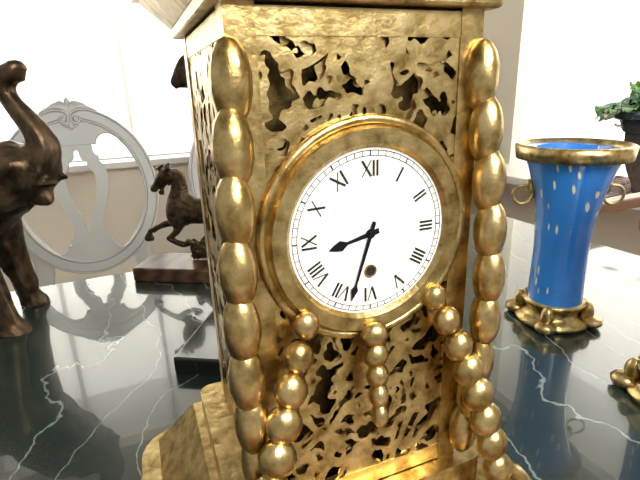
8.33
